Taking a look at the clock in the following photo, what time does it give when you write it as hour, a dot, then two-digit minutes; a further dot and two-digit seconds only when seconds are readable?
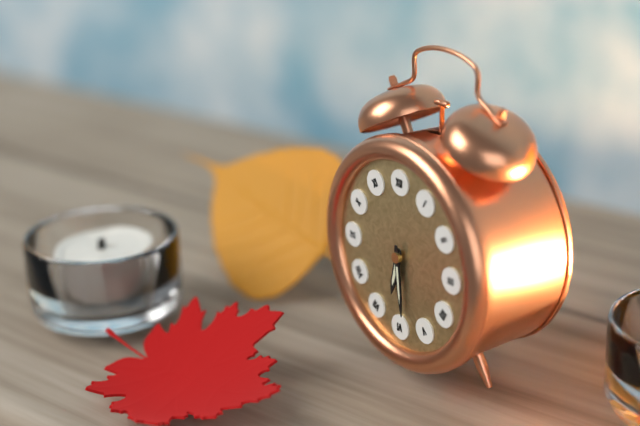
6.29
